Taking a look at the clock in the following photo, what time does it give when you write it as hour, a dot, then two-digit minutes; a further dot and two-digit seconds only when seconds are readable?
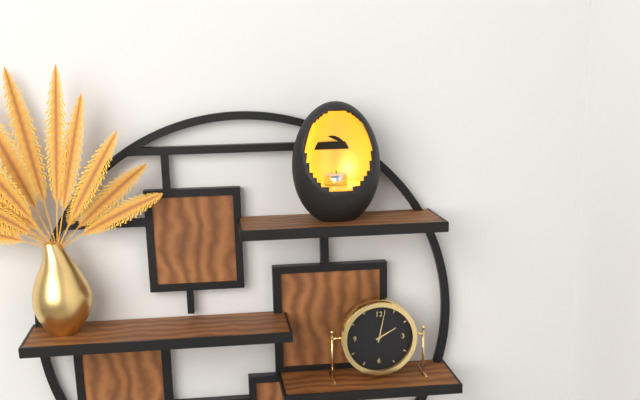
2.02
